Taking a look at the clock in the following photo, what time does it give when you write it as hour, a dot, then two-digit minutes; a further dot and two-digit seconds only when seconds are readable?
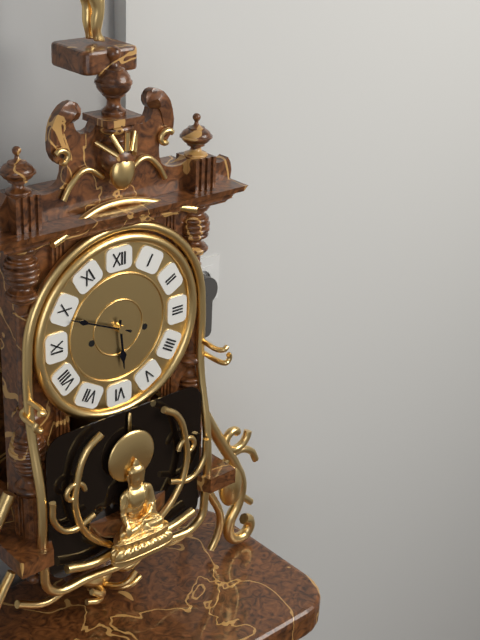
5.49
